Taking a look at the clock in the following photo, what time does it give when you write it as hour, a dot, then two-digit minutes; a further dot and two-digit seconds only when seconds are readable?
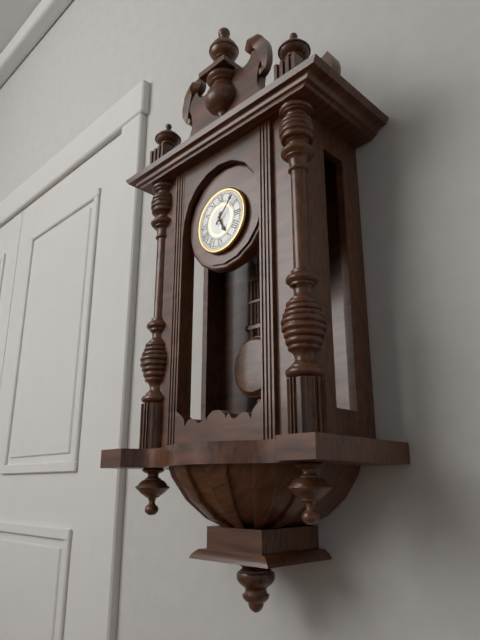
5.07
